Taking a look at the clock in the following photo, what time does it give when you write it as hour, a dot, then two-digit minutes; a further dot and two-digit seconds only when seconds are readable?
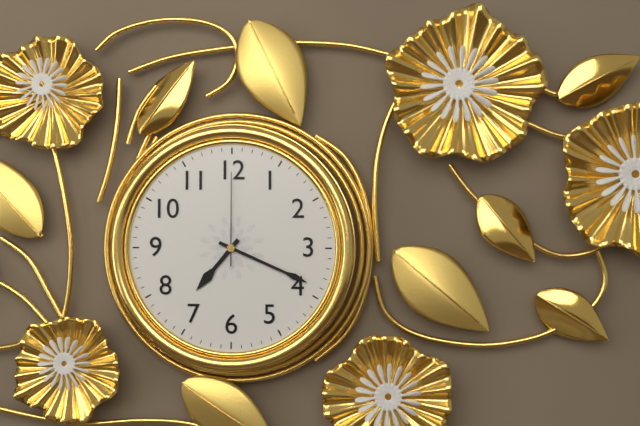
7.19.00
